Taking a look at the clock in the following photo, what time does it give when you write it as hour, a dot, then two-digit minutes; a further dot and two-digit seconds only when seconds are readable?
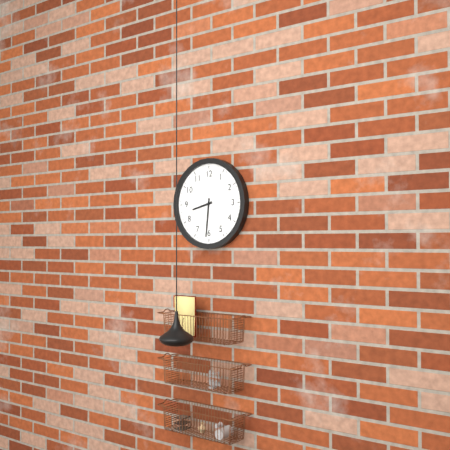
8.31
